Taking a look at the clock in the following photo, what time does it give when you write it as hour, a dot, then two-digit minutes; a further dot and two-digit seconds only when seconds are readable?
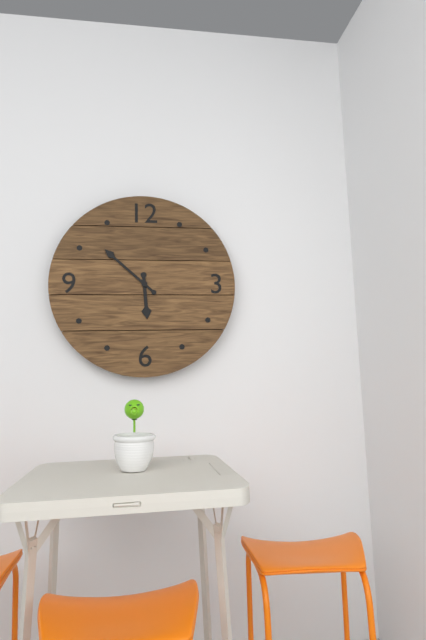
5.52
